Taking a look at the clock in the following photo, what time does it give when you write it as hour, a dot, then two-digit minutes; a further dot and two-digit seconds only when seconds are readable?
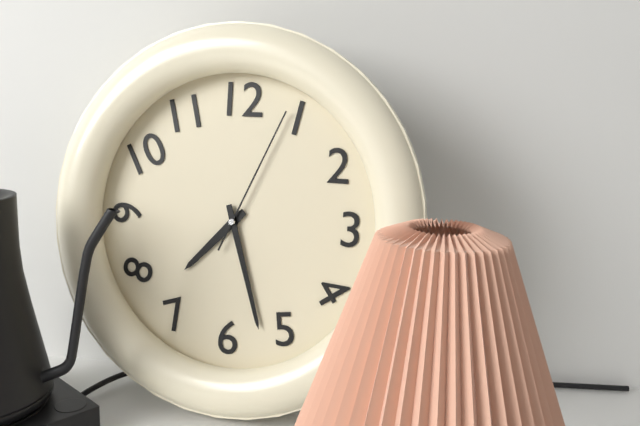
7.27.04
